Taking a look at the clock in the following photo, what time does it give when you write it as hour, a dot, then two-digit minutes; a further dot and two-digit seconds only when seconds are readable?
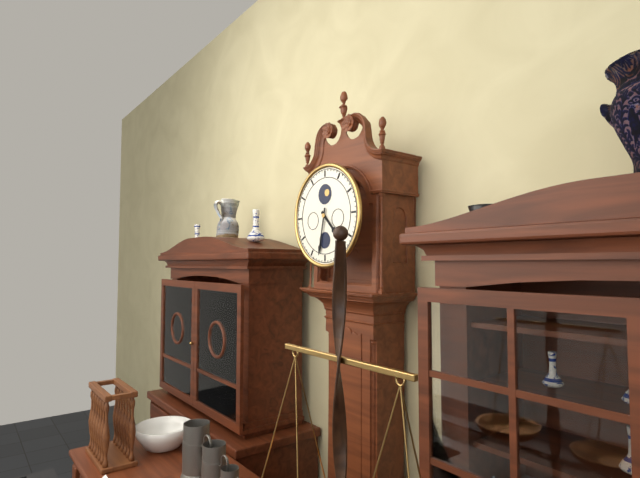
4.32
